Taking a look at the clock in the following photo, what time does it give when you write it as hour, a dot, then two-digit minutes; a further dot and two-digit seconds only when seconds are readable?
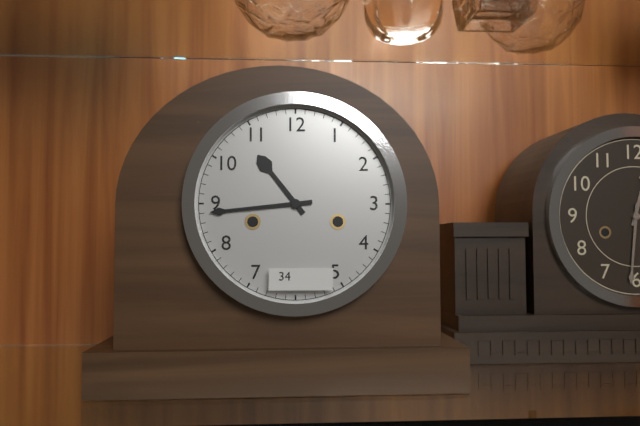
10.44
